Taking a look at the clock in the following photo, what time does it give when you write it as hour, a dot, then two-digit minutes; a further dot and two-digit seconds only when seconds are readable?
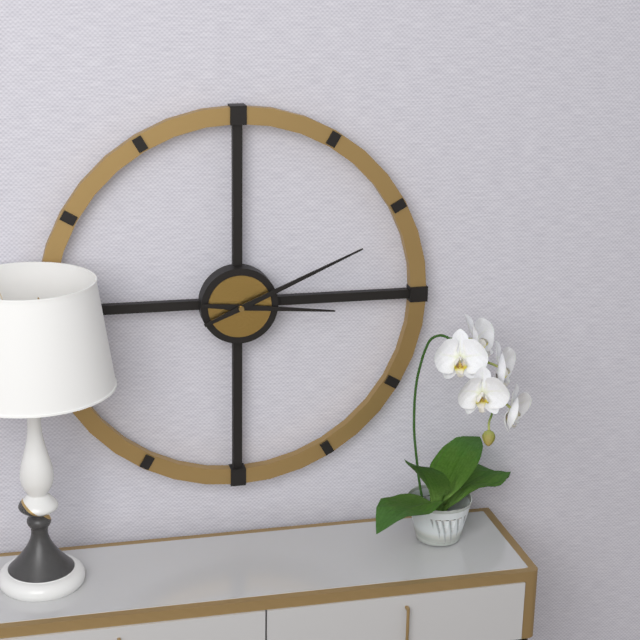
3.11
